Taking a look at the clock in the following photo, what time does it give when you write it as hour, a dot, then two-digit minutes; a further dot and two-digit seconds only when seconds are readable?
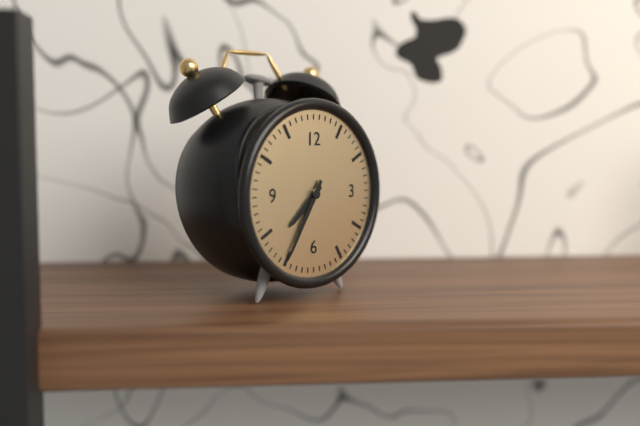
7.35
